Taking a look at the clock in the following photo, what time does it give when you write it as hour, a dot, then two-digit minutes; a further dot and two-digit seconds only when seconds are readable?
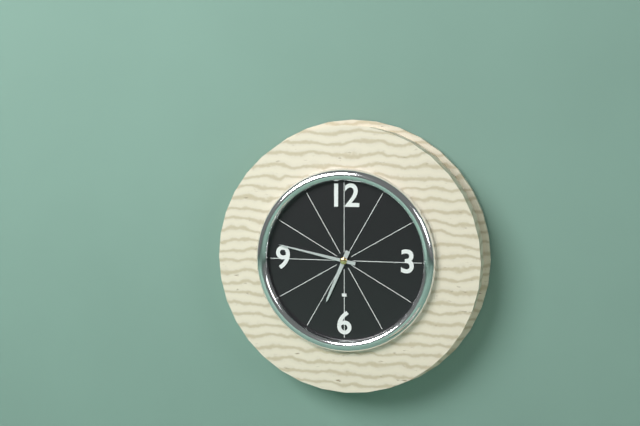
6.47
